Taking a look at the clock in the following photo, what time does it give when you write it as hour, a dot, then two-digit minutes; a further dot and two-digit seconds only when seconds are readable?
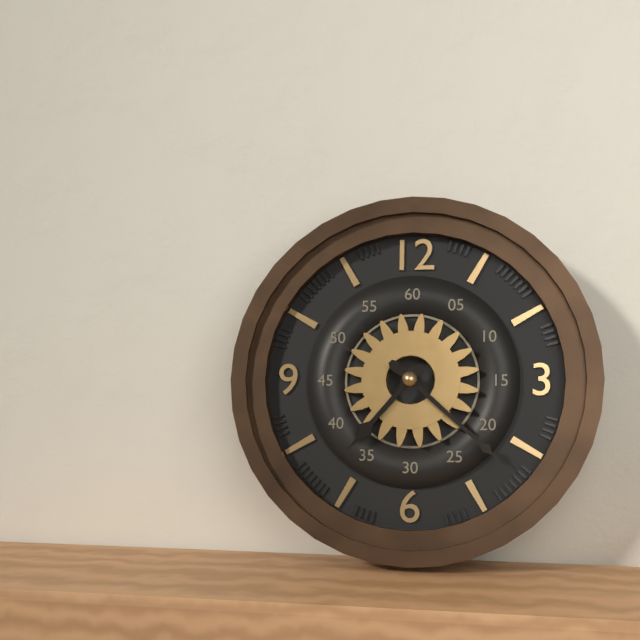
7.22
